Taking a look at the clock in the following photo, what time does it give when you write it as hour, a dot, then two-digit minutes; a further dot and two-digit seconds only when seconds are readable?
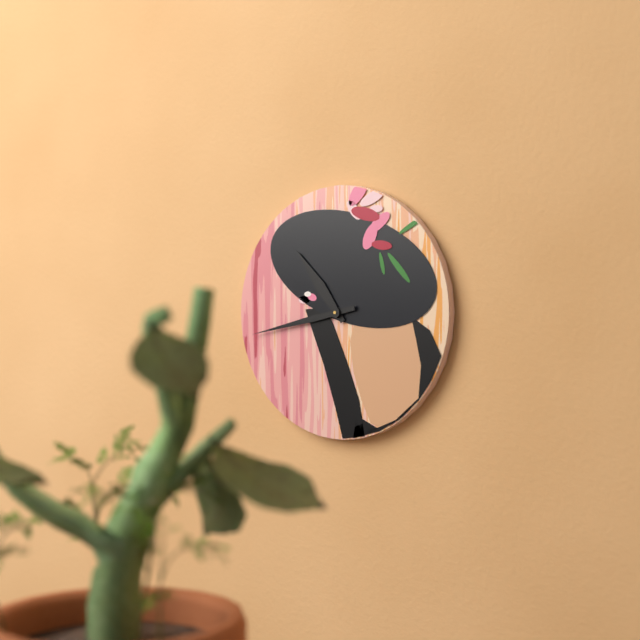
10.43
